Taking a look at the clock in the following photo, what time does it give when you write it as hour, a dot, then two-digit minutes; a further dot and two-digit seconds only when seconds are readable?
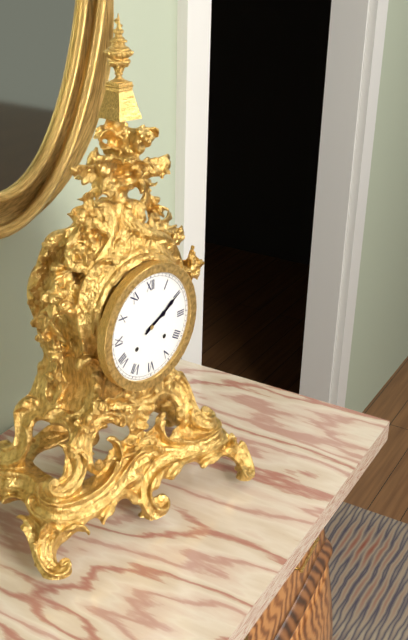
2.10
